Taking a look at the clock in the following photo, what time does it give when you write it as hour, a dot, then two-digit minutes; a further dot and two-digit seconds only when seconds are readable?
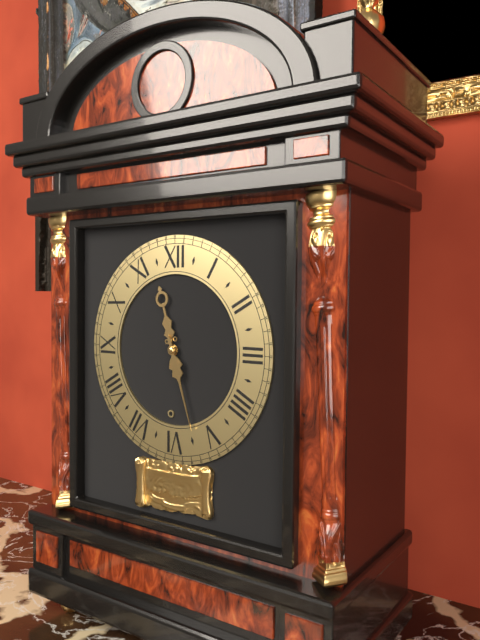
11.27
